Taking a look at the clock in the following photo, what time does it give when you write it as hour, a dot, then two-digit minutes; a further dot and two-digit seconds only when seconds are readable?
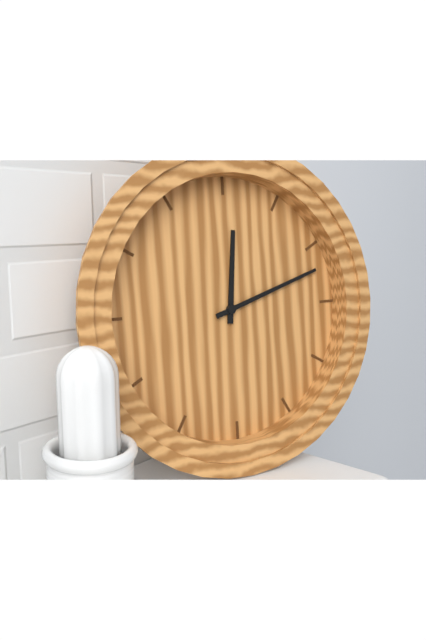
12.12
